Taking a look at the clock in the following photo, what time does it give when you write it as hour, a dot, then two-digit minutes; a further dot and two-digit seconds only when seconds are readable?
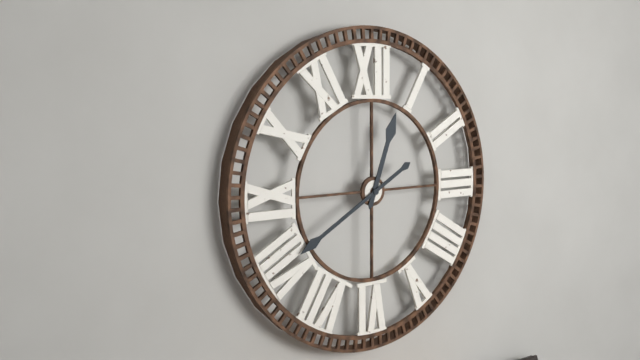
12.40
